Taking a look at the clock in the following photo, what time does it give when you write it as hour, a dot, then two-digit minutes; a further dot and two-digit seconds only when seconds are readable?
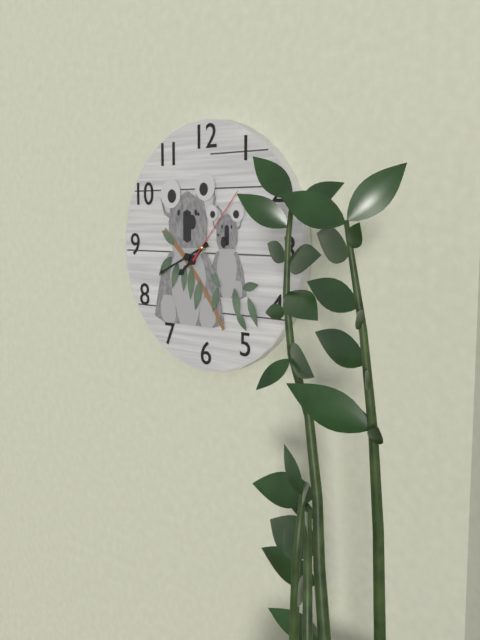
7.41.07
